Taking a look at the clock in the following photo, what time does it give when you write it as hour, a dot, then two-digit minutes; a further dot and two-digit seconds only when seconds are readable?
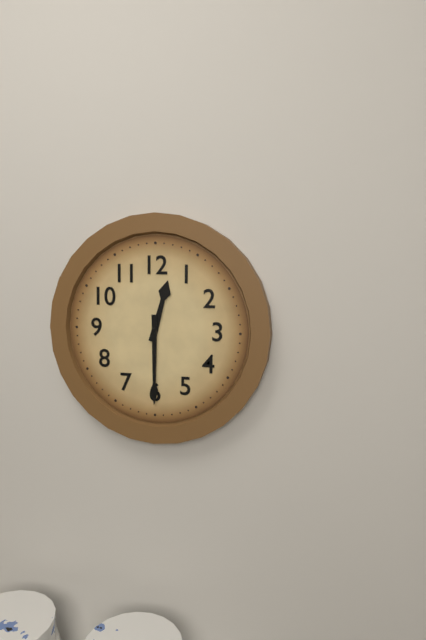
12.30
